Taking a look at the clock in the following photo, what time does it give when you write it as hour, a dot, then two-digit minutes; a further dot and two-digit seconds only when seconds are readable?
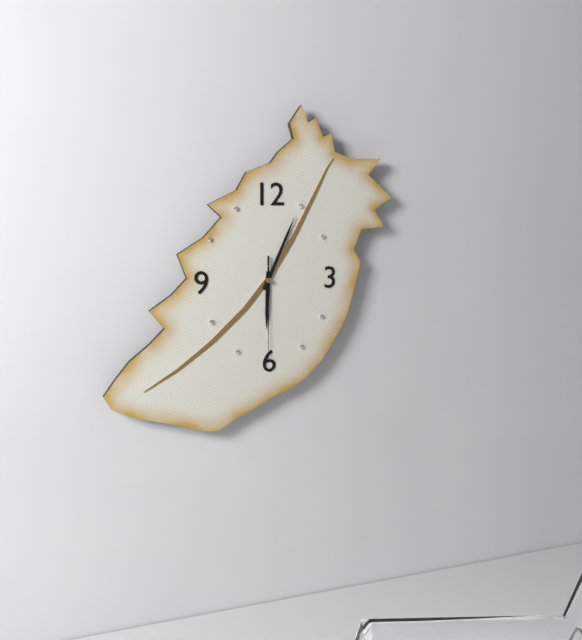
6.04.30
